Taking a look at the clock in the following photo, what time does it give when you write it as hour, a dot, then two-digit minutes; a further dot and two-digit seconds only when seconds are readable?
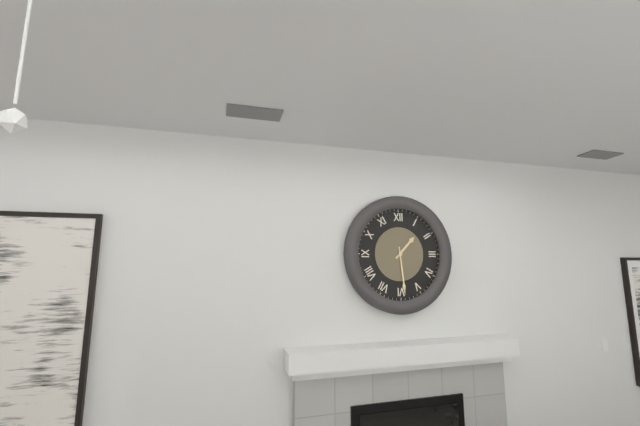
1.29
